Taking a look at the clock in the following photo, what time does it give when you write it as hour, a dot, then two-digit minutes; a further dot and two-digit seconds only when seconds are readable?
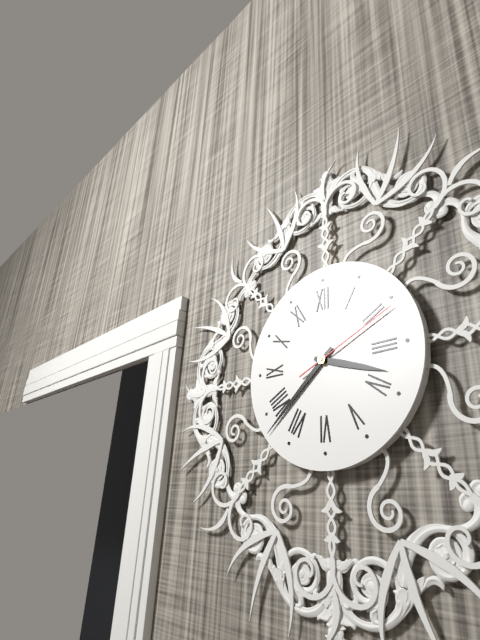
3.38.11
